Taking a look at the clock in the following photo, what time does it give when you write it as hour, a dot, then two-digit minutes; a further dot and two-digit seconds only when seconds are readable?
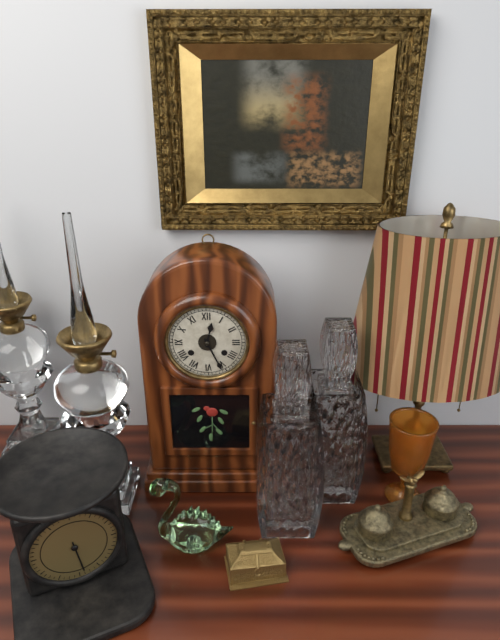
12.26
